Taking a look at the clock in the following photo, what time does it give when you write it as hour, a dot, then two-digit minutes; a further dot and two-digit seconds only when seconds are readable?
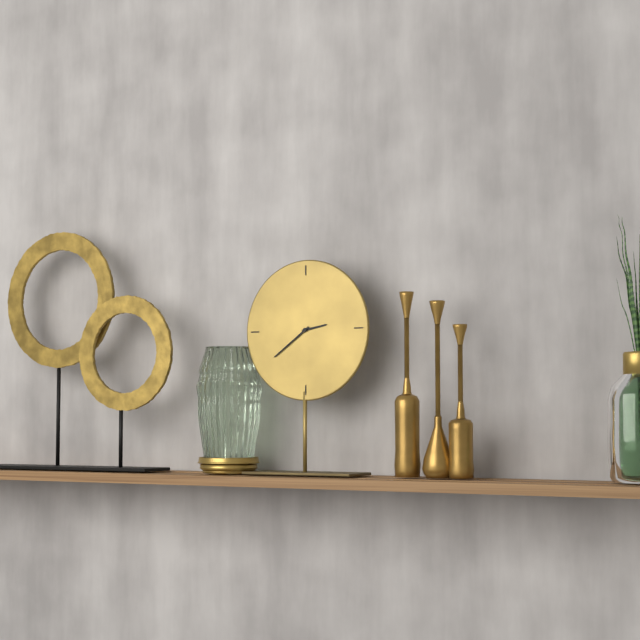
2.39
